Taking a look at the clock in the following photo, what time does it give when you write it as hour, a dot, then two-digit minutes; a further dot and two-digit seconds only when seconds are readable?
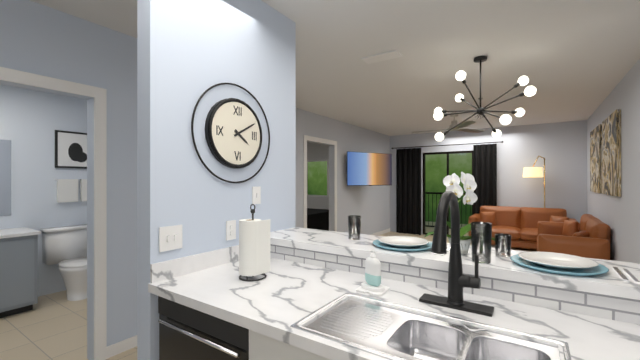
4.10
